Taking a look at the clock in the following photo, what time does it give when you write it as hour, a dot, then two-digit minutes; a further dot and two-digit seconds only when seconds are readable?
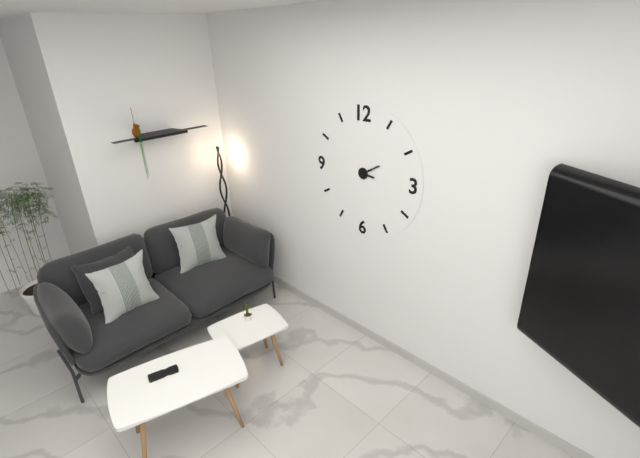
3.10
